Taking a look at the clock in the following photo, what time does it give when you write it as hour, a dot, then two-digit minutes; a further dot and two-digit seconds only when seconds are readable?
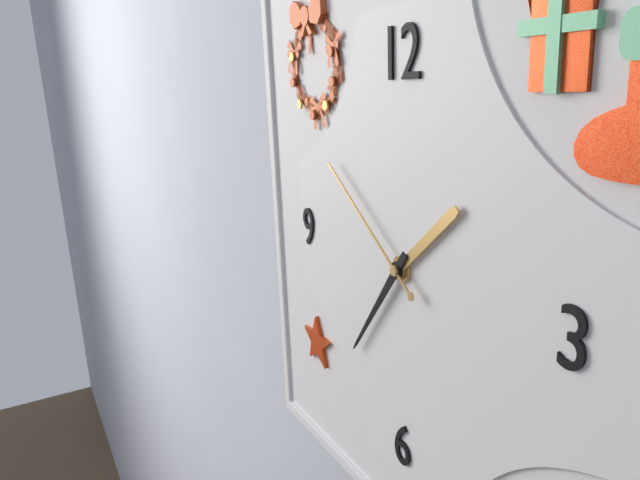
1.36.51
